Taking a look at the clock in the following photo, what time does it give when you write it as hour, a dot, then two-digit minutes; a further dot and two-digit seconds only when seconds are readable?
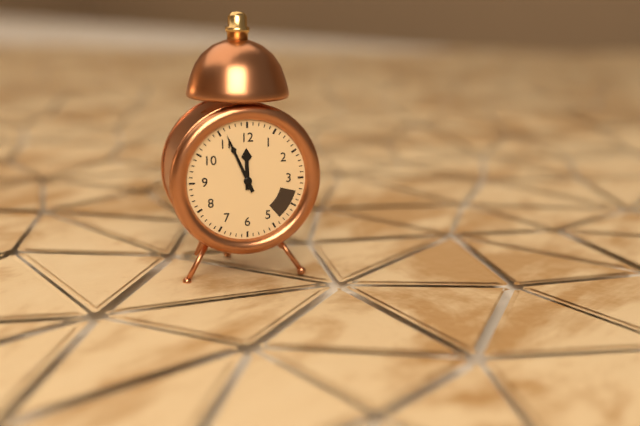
11.56
